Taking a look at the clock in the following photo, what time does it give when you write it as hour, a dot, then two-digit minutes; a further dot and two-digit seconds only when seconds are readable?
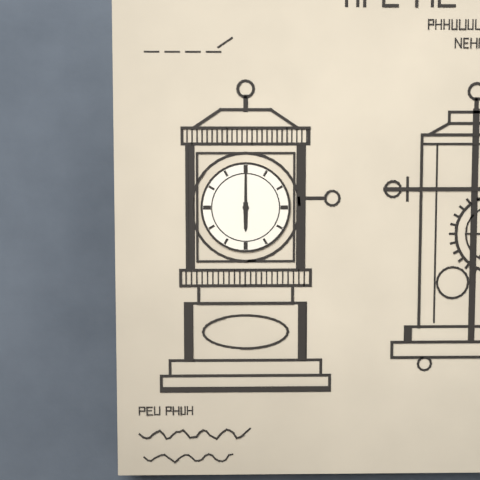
6.00
